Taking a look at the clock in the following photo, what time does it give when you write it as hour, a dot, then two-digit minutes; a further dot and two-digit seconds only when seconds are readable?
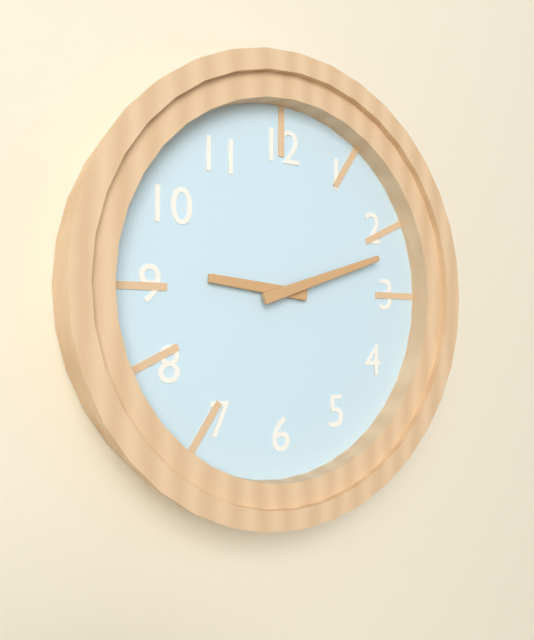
9.12
